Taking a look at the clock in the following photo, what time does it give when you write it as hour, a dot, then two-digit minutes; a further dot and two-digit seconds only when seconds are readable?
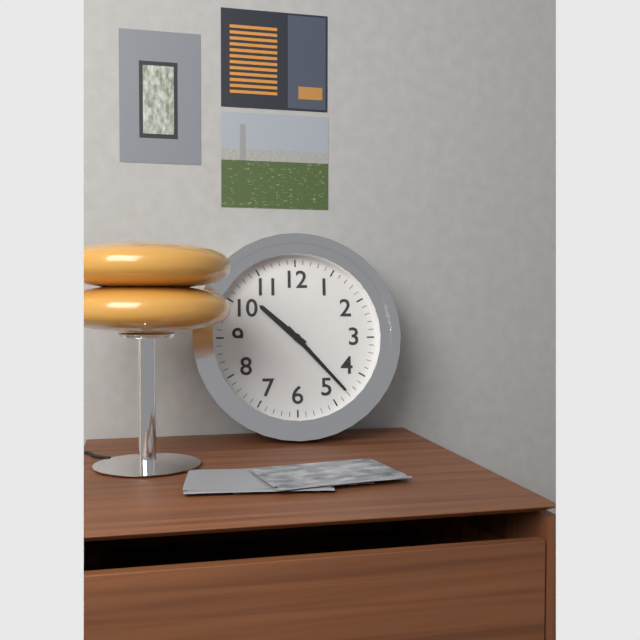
10.23
